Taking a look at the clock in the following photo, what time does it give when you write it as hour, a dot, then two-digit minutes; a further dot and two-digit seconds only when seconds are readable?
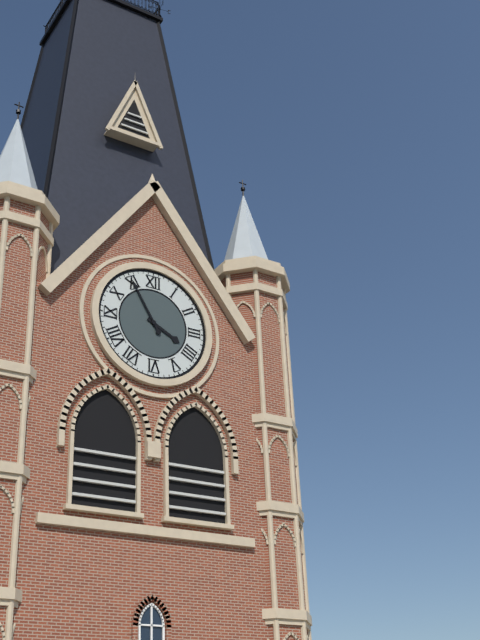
3.55
